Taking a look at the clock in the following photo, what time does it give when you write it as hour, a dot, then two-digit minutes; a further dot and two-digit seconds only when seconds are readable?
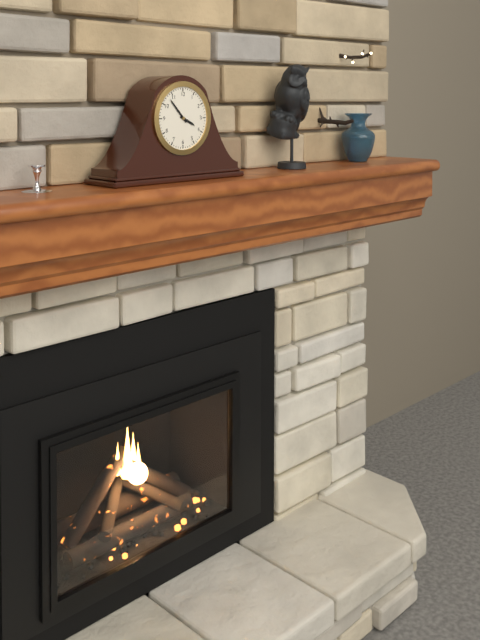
3.53
